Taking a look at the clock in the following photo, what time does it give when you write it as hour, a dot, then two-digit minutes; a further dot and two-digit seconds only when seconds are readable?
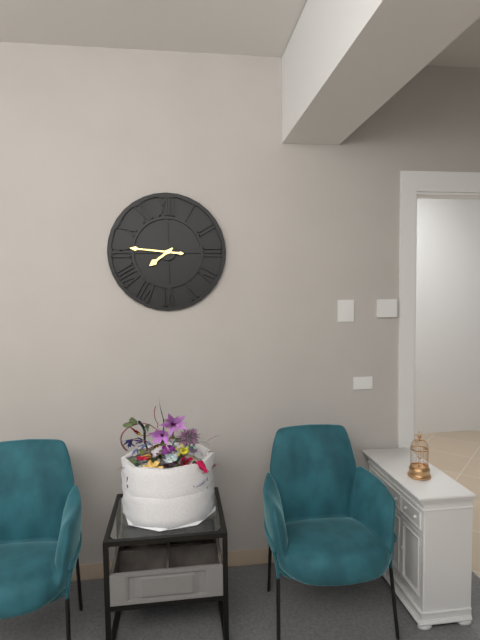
7.46
